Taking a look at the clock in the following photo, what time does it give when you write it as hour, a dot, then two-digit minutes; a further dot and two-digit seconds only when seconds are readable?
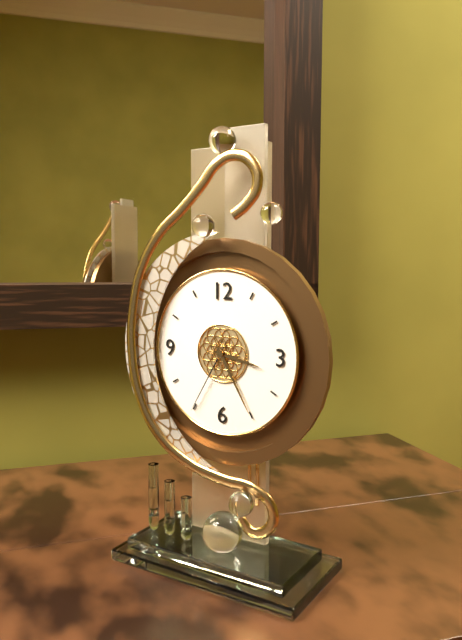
3.25.35
